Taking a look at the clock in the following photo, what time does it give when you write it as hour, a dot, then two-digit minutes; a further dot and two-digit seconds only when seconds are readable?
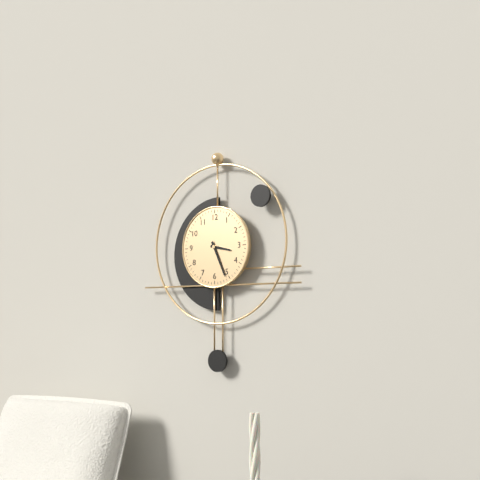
3.26
